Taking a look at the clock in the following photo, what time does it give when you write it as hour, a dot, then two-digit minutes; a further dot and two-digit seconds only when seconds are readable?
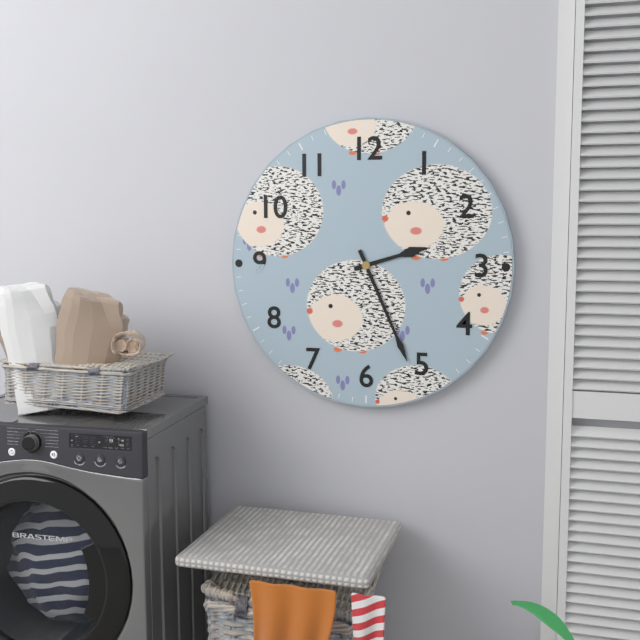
2.26
